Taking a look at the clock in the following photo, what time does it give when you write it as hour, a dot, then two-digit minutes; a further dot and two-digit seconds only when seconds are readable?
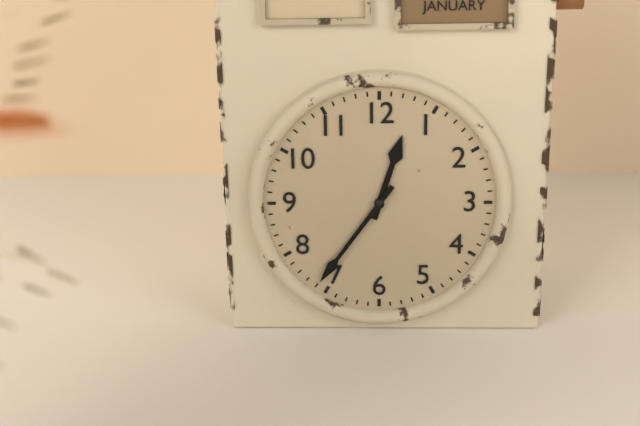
12.36
